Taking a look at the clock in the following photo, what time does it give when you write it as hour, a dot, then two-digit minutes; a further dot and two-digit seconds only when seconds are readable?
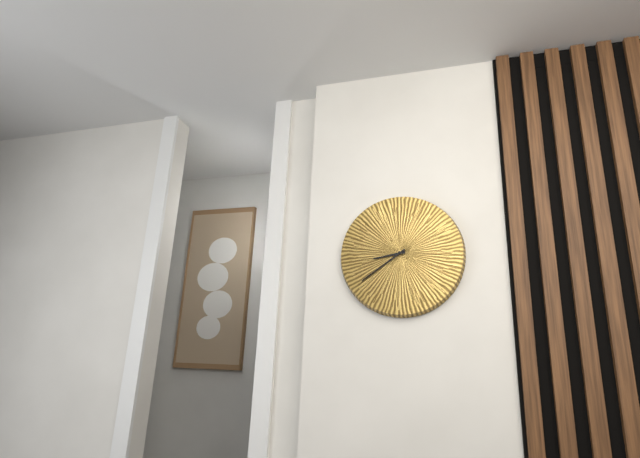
8.39
